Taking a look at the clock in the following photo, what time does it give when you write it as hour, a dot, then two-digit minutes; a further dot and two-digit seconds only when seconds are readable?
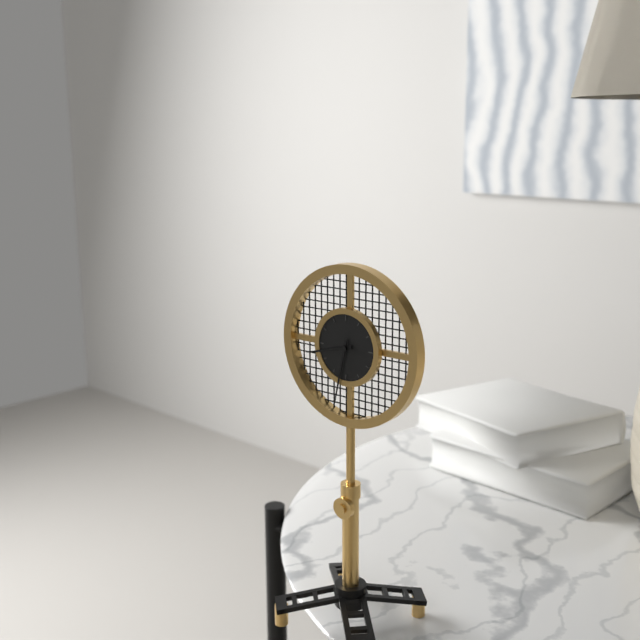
8.32
